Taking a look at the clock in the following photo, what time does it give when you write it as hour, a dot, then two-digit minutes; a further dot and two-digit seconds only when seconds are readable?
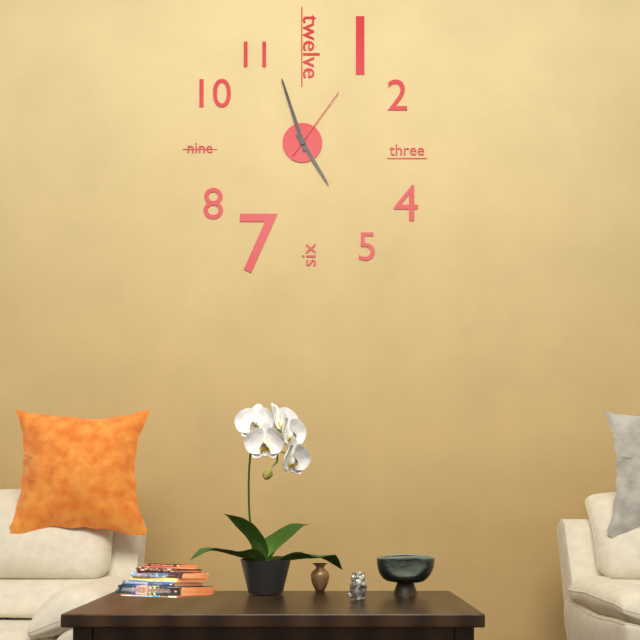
4.57.06
